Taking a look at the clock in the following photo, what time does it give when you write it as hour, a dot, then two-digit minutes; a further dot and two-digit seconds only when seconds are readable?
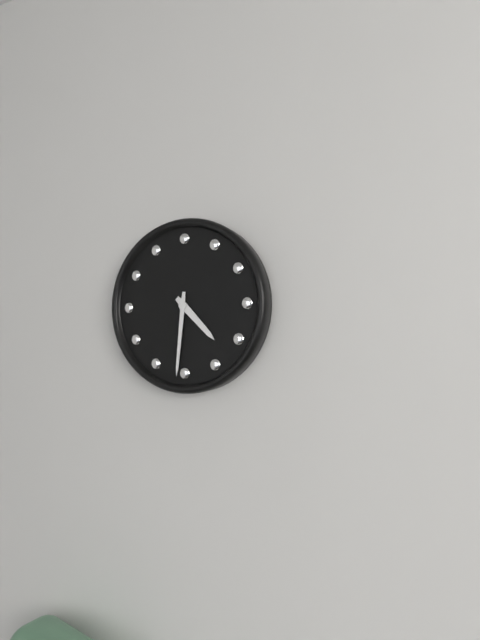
4.31
